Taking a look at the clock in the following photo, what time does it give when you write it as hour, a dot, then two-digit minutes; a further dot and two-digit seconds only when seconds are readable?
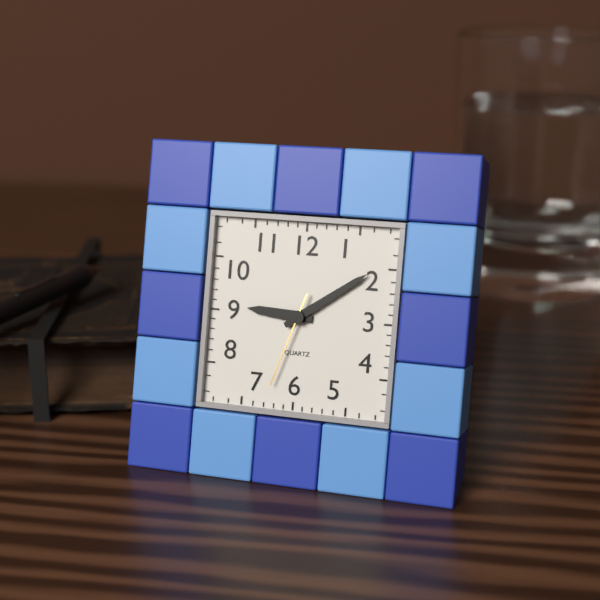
9.09.33
